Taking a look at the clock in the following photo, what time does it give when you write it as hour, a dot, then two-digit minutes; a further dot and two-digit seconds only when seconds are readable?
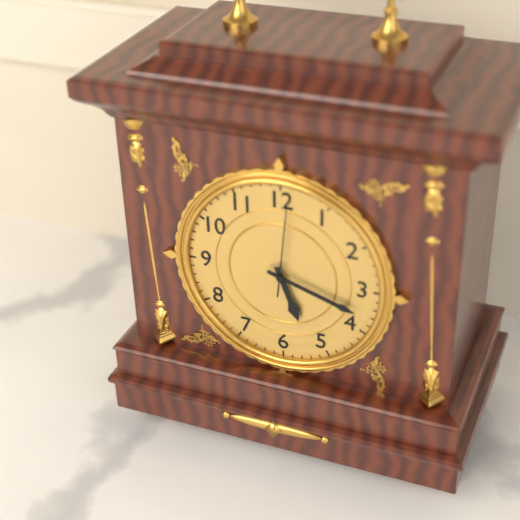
5.18.01
